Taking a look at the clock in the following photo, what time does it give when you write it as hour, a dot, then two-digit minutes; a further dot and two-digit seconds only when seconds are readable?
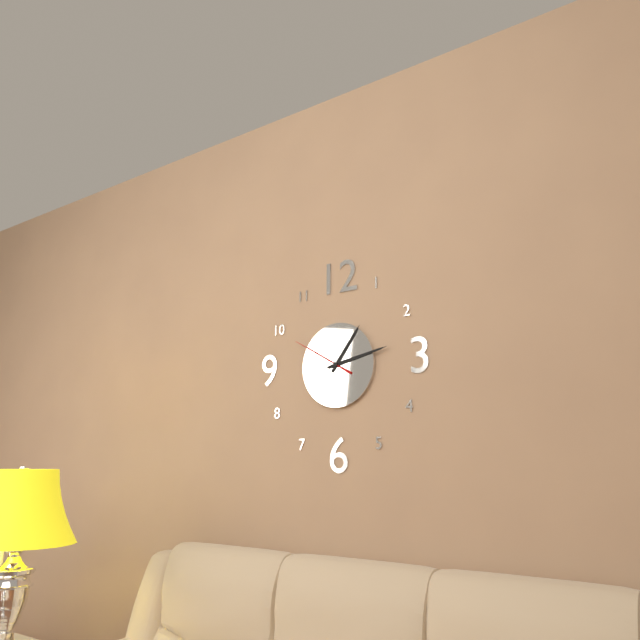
1.13.50
